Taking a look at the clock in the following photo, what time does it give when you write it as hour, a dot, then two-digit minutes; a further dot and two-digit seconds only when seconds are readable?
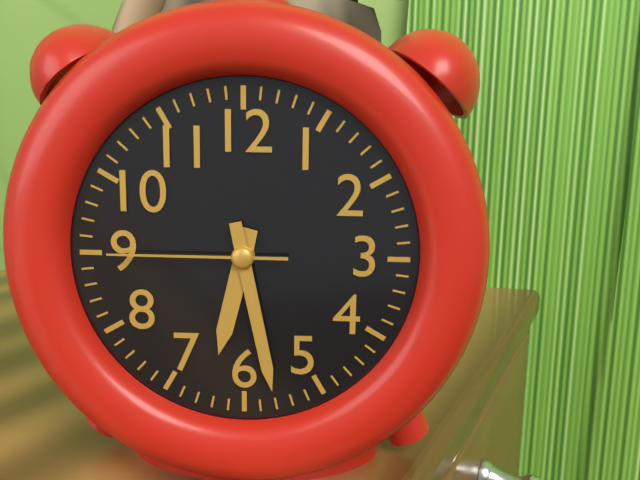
6.28.45
